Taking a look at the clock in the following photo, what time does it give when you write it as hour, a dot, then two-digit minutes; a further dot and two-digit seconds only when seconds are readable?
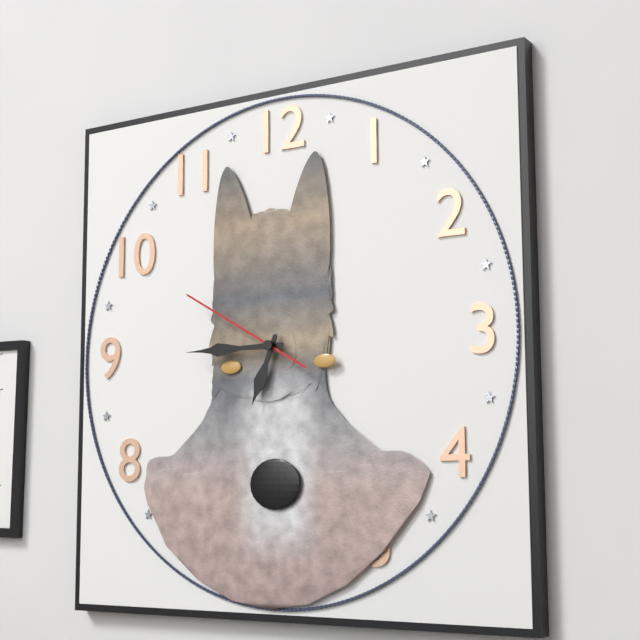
6.45.50
